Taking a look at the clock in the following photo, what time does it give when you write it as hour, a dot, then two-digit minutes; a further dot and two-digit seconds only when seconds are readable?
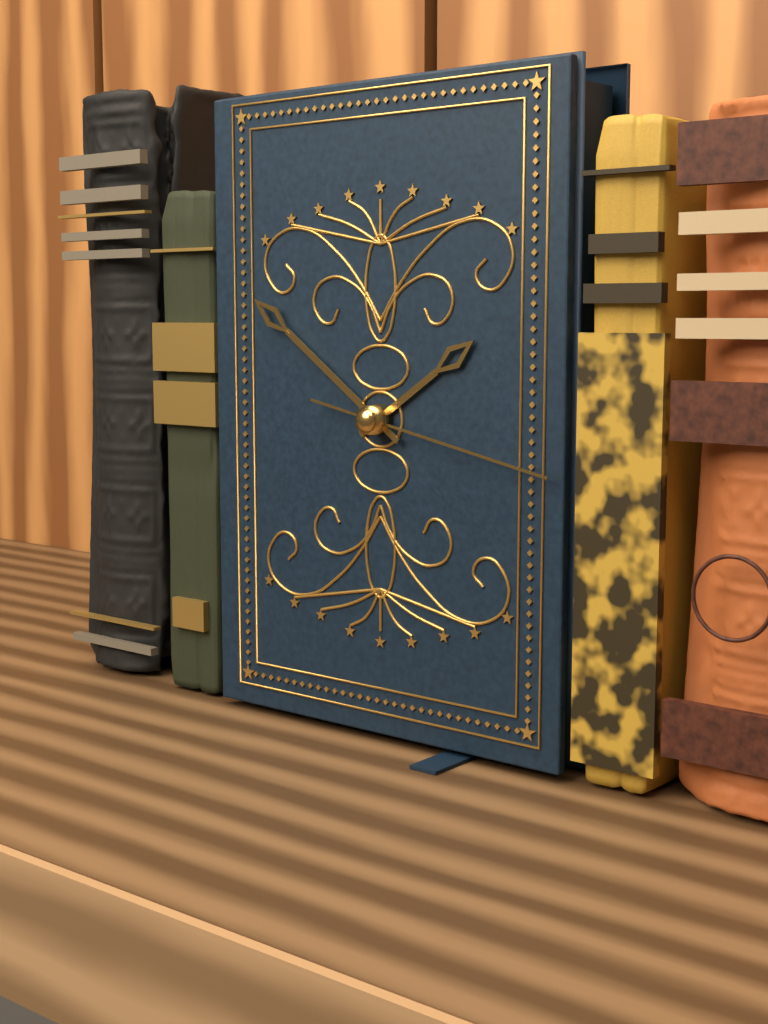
1.51.17
